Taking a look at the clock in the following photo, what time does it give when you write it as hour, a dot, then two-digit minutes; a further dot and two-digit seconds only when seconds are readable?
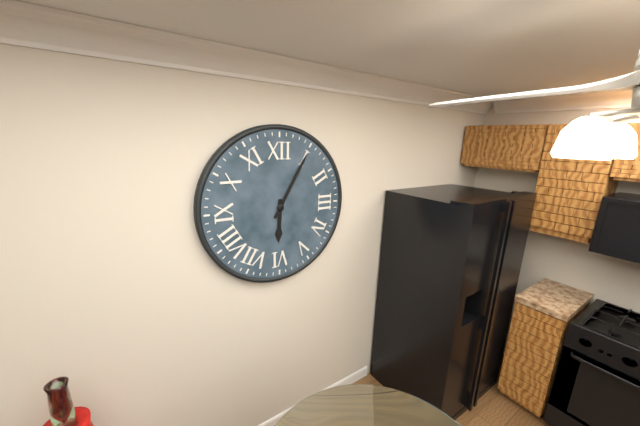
6.05
